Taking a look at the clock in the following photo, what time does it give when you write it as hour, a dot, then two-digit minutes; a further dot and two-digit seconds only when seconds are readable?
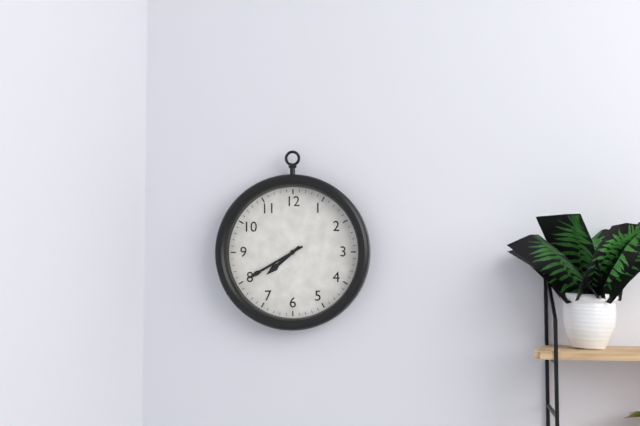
7.40
